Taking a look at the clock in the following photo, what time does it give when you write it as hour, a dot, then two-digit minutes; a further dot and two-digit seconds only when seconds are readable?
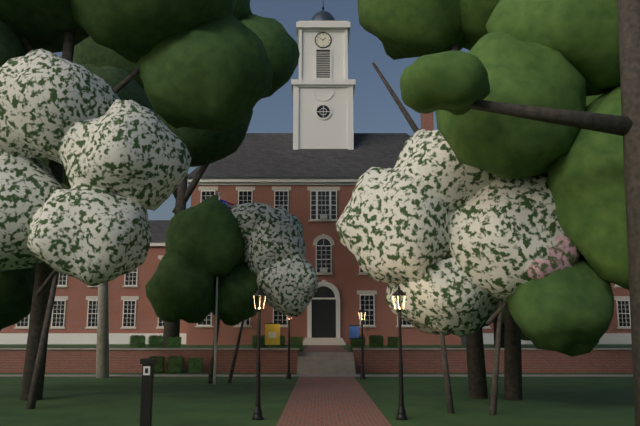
1.50
